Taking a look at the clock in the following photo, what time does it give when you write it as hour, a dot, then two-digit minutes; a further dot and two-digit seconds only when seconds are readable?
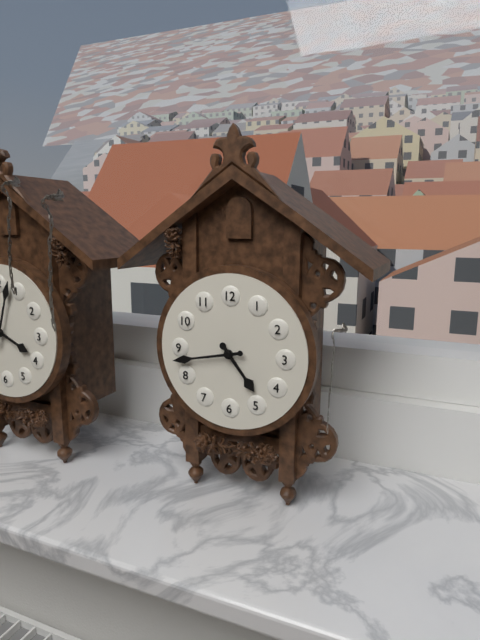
4.43
